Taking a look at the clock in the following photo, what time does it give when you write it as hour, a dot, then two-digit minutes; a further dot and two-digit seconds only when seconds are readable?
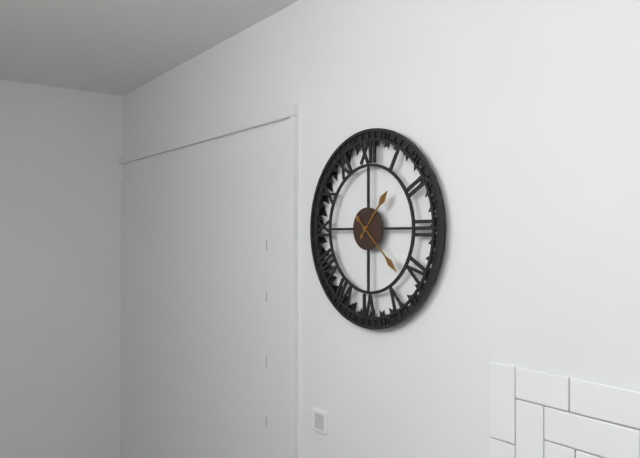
1.22
